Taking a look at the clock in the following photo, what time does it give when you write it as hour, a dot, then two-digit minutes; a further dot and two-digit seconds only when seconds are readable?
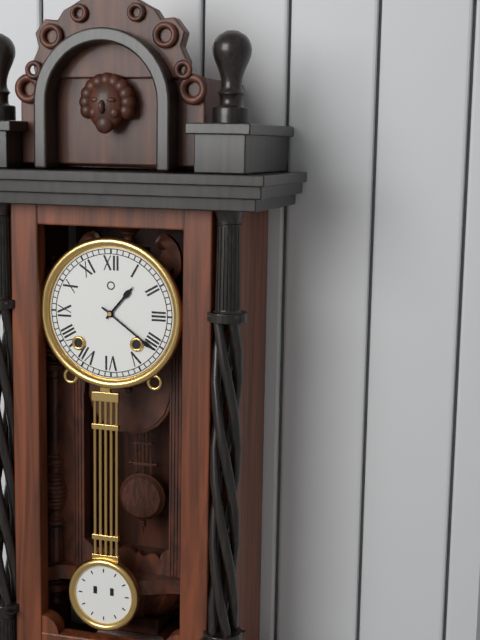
1.21
